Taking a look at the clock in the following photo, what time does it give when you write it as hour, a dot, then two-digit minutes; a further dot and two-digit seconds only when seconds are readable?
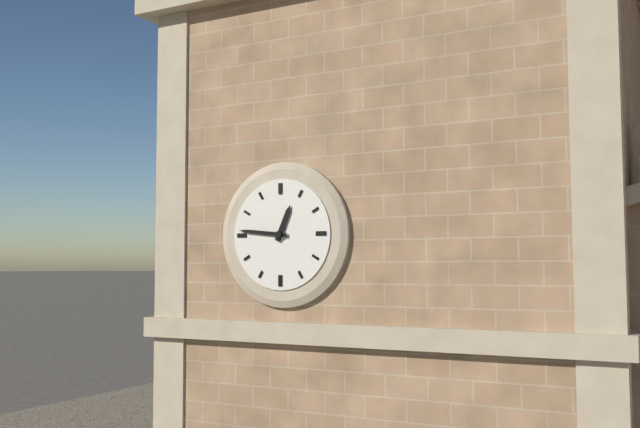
12.46
